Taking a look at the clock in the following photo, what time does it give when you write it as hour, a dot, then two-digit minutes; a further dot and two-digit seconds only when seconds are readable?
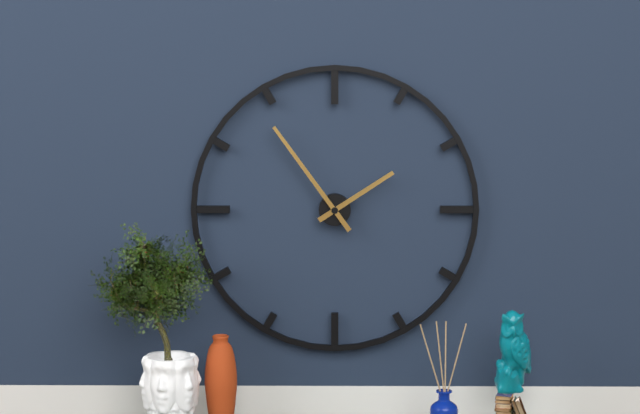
1.54
